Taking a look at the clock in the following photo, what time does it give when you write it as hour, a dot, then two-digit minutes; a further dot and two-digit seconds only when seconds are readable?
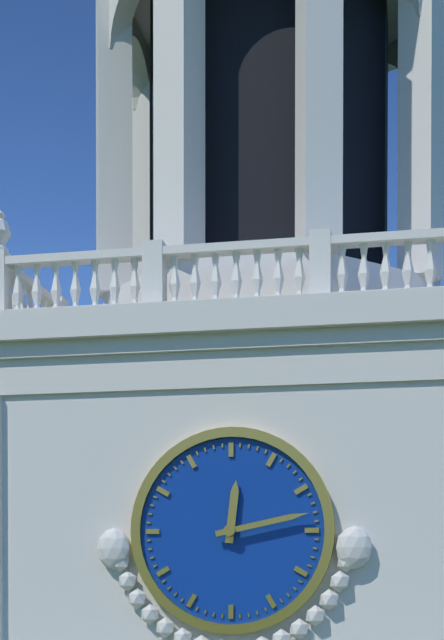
12.13
